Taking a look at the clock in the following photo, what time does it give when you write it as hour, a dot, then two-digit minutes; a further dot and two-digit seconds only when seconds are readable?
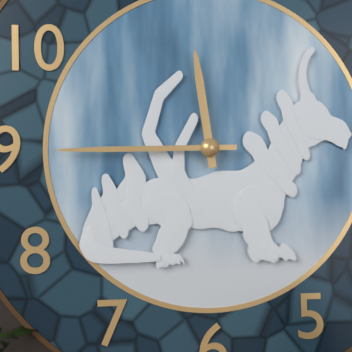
11.45
